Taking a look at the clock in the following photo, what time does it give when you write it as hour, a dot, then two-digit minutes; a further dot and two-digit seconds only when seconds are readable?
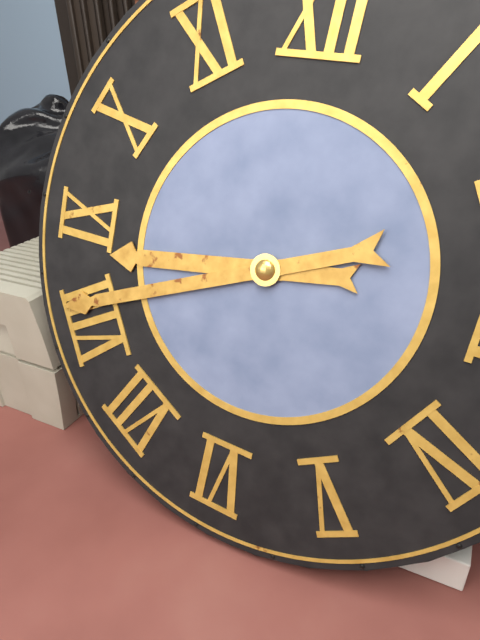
8.41
